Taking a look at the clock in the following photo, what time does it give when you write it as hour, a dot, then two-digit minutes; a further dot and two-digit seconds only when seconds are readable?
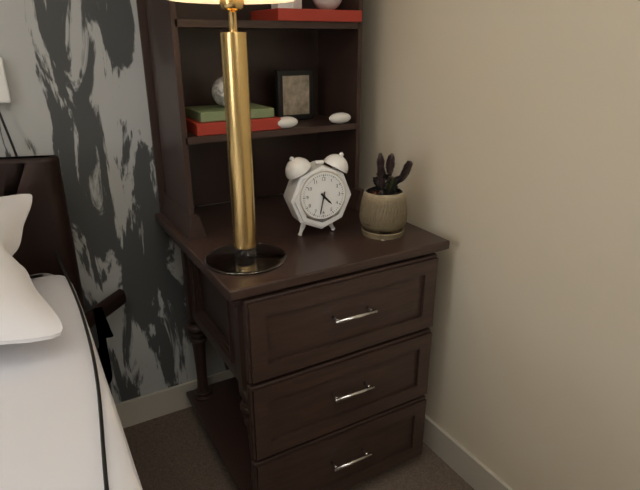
4.32
